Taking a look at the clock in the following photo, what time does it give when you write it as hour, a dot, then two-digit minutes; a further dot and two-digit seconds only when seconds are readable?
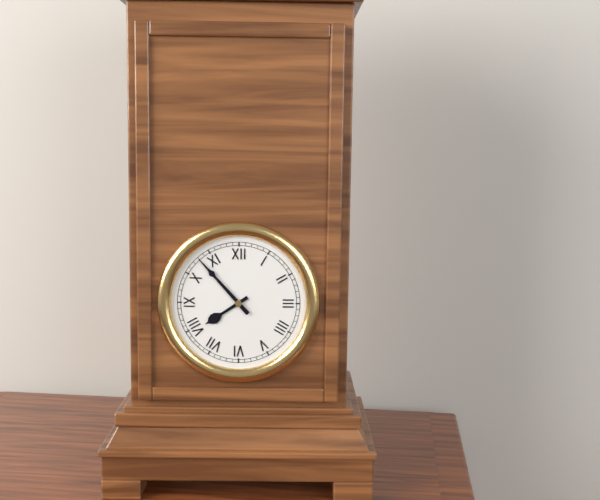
7.53
